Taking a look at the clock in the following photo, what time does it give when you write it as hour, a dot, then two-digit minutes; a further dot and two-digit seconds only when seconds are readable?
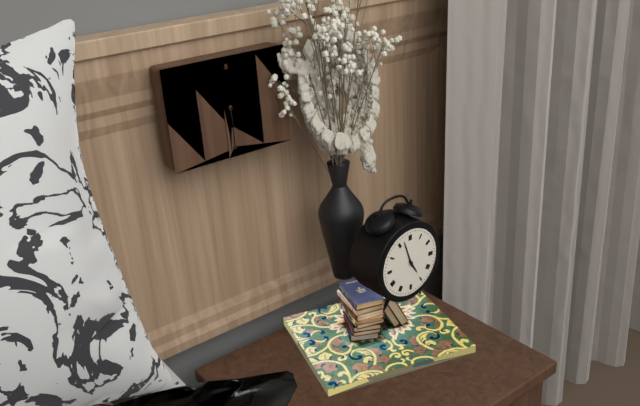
4.57
